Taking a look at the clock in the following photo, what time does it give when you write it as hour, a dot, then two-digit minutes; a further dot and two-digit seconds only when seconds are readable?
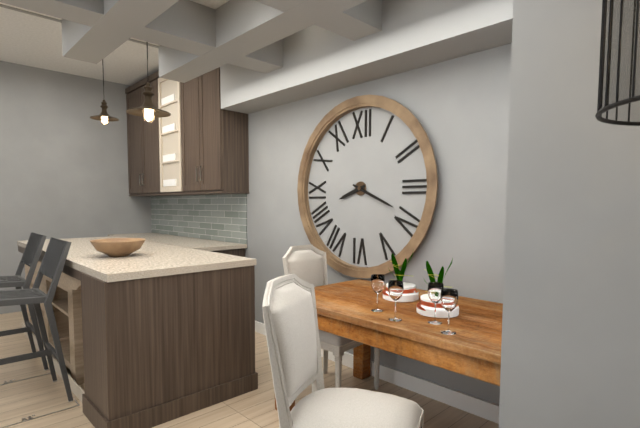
8.19
